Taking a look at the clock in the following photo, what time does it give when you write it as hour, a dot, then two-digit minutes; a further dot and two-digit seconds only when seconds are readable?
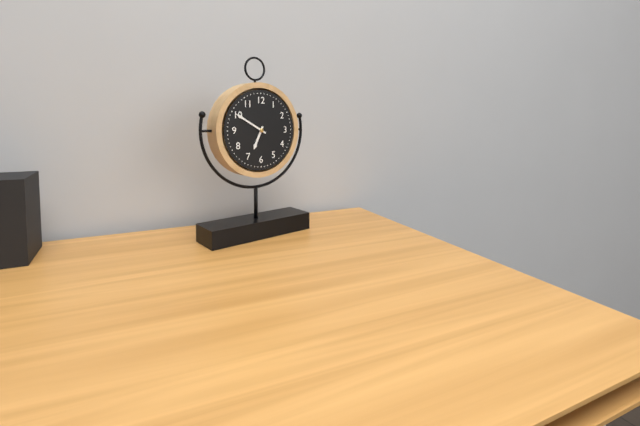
6.50
